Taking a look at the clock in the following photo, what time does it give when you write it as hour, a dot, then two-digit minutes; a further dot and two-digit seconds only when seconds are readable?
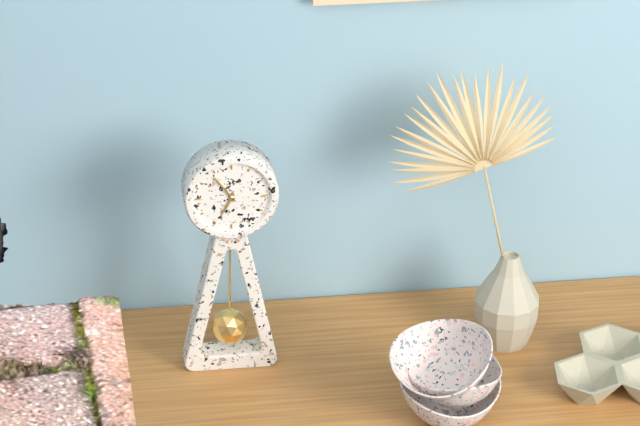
6.54
